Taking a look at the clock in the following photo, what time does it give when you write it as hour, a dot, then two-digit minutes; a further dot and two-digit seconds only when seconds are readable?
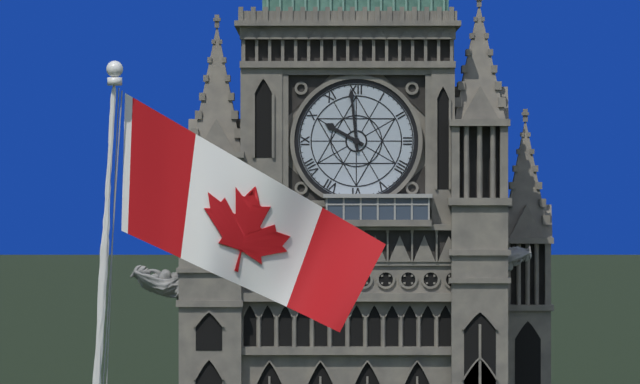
9.59
